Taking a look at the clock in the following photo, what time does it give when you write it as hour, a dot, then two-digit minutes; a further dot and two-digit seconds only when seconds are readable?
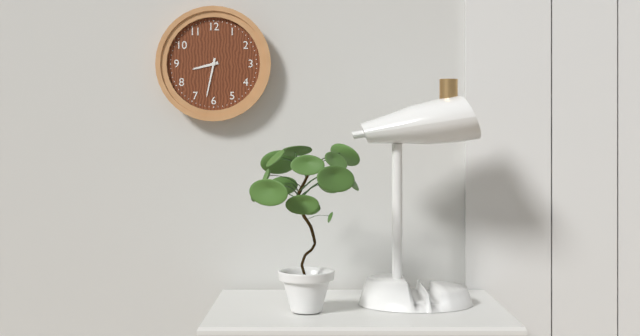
8.32
